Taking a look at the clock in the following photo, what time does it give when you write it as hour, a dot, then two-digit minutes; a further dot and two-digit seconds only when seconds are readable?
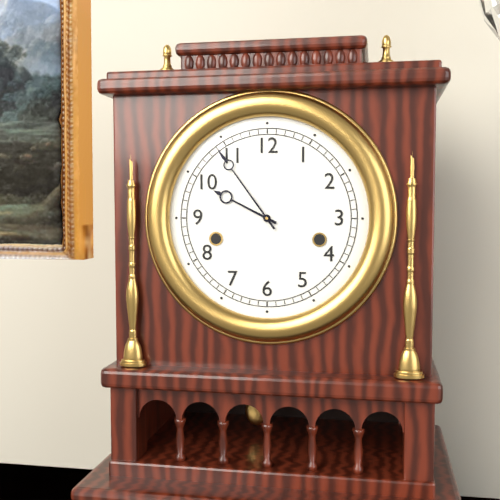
9.54
